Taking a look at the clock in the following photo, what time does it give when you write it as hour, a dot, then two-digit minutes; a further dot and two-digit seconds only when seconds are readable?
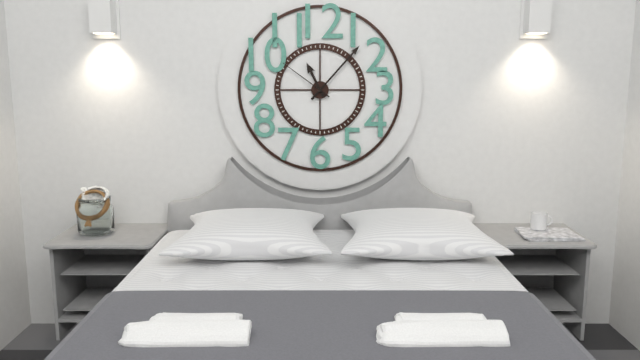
11.07.51
